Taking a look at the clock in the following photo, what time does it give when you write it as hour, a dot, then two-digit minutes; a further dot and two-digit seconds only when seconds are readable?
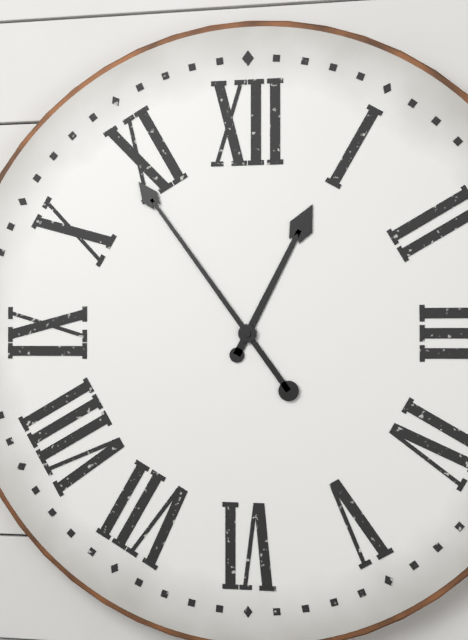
12.54
